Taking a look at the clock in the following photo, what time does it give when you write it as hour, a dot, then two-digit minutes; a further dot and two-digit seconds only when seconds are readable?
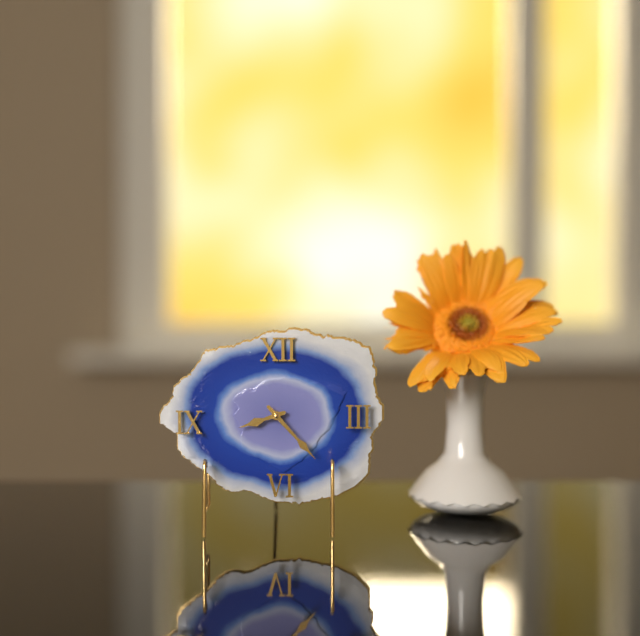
8.23
